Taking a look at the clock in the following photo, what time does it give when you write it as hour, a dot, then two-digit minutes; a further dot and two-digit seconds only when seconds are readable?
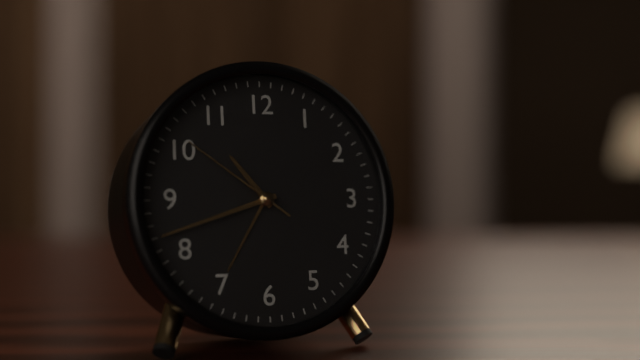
10.42.51
